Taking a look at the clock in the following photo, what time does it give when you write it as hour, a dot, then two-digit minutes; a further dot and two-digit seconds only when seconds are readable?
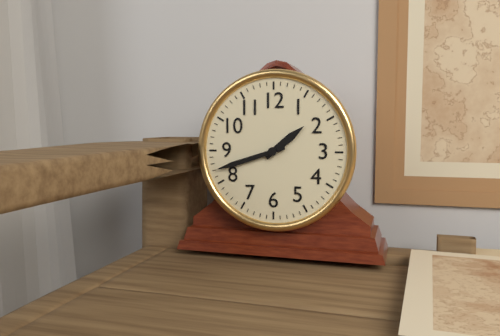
1.42
